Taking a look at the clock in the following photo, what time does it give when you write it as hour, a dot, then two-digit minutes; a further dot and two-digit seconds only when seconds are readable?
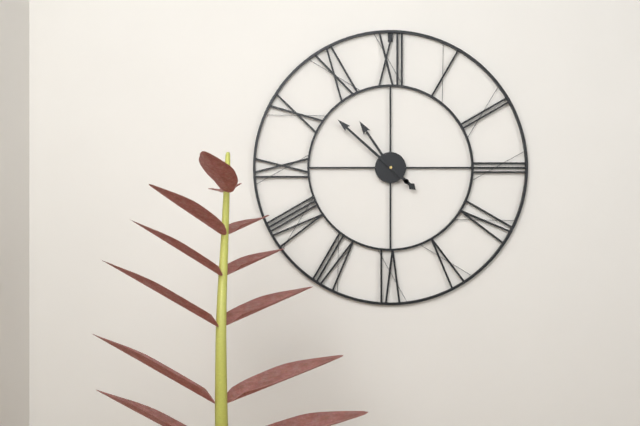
10.52
